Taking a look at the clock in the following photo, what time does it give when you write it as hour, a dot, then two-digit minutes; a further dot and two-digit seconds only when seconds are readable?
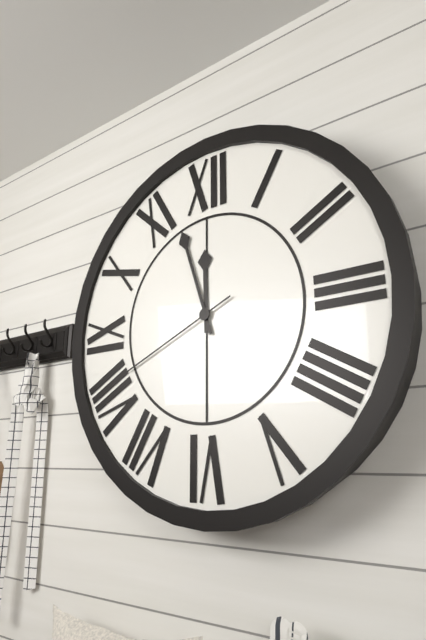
11.57.41
